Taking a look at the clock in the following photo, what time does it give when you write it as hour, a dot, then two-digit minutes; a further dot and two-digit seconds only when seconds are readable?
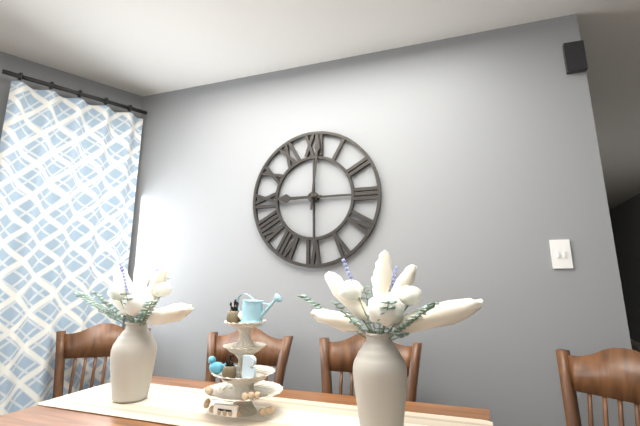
9.01
